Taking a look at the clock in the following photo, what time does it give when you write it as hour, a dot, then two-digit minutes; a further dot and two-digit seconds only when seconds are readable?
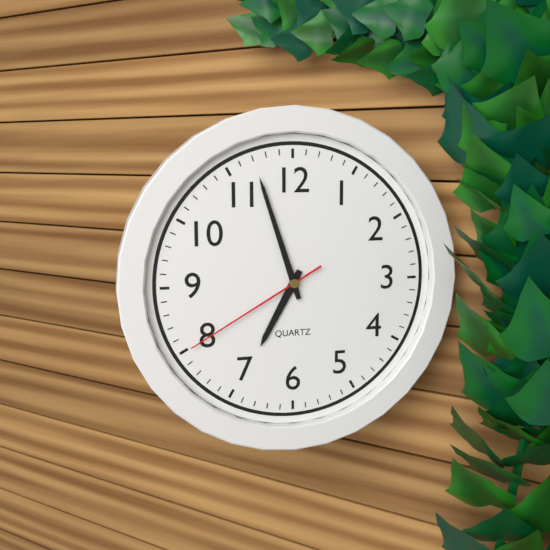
6.57.40
